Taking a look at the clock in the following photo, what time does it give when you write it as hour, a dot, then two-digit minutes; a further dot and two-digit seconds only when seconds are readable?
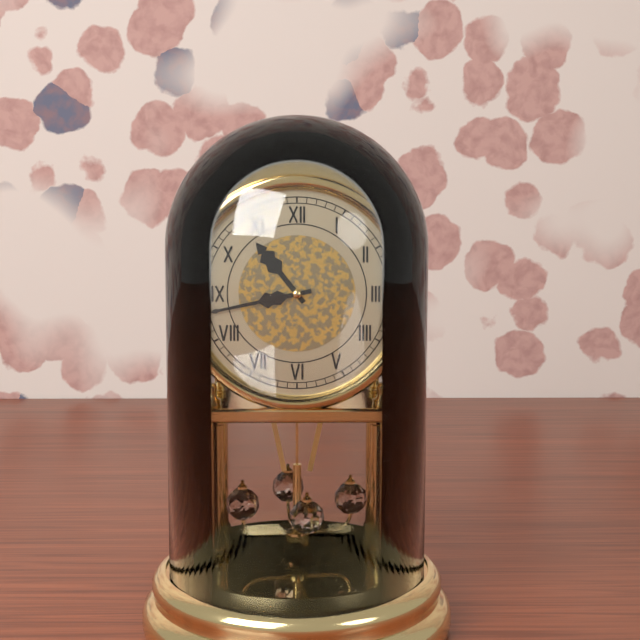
10.43
